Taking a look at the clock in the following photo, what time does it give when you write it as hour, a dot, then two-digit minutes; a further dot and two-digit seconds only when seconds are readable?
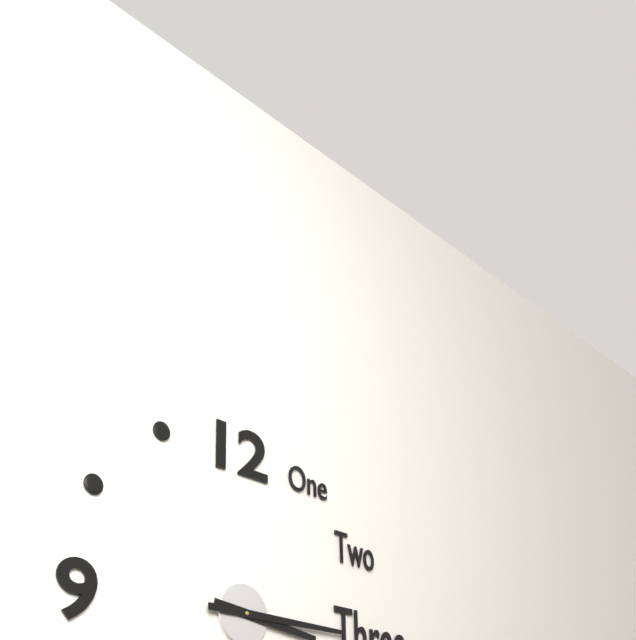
3.15
